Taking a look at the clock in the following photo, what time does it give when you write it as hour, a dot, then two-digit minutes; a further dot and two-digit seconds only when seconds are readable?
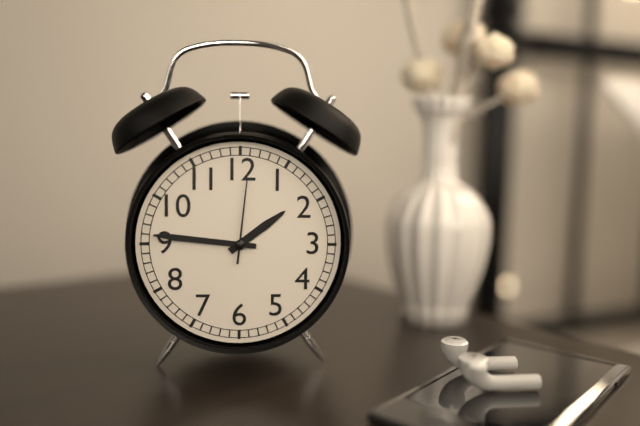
1.46.01
